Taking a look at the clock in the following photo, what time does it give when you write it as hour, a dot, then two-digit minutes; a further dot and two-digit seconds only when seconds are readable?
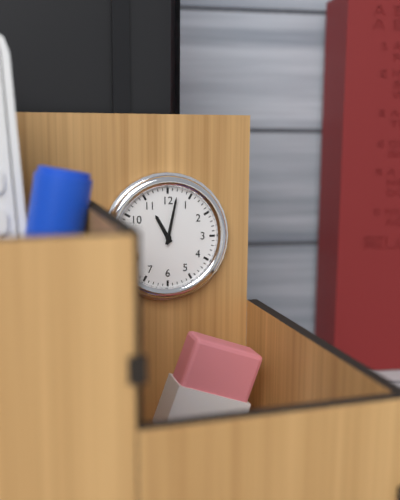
11.02
